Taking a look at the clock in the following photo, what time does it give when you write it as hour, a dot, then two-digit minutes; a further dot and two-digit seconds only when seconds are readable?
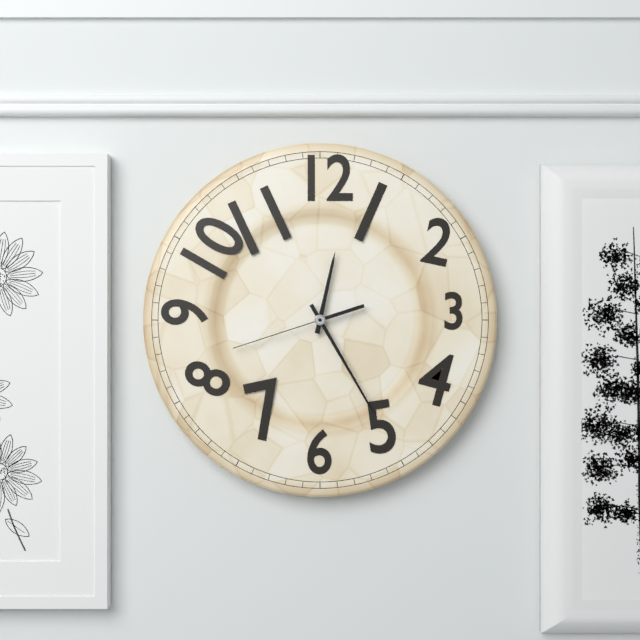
12.25.42
